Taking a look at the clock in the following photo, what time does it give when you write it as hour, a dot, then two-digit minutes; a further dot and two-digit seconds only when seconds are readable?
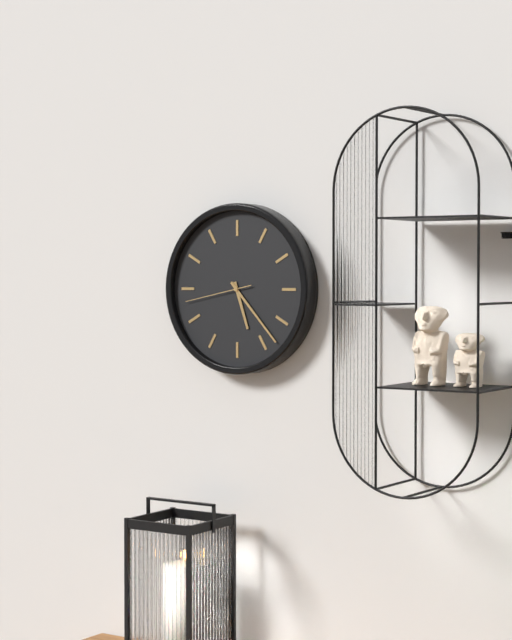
5.23.43
